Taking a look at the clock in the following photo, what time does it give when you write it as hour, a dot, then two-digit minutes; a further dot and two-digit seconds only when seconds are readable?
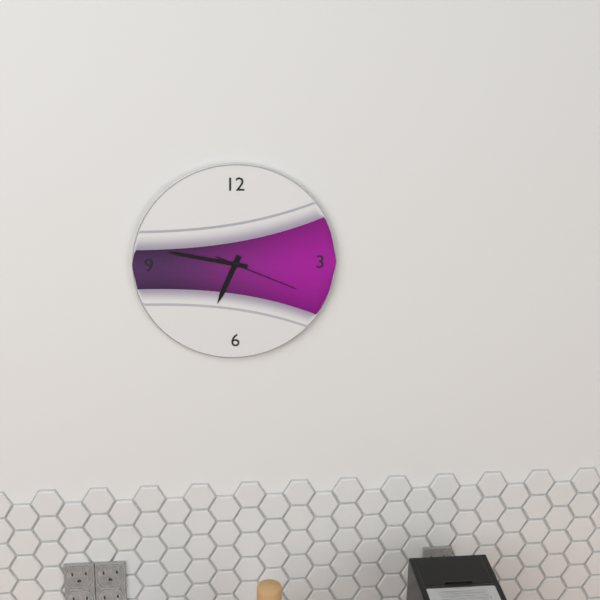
6.47.19
